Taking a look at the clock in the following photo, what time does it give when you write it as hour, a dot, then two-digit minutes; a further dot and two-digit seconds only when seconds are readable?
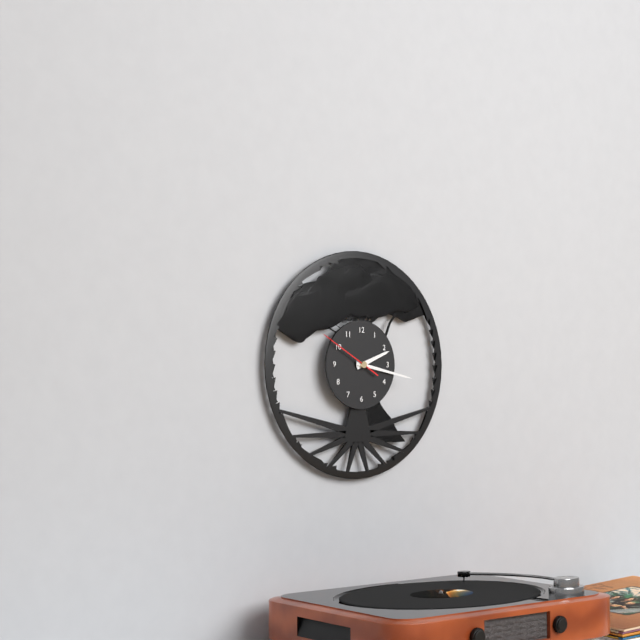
2.17.50
